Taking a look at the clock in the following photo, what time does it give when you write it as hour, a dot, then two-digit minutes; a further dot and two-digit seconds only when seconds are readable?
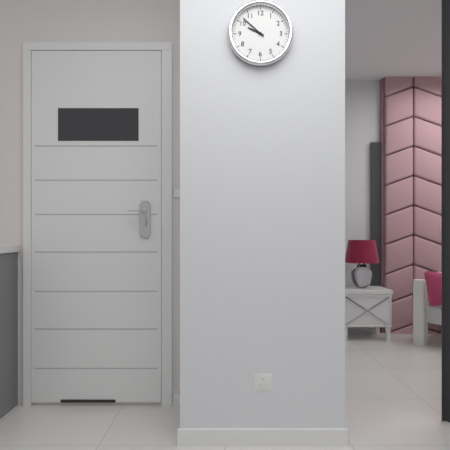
9.52
